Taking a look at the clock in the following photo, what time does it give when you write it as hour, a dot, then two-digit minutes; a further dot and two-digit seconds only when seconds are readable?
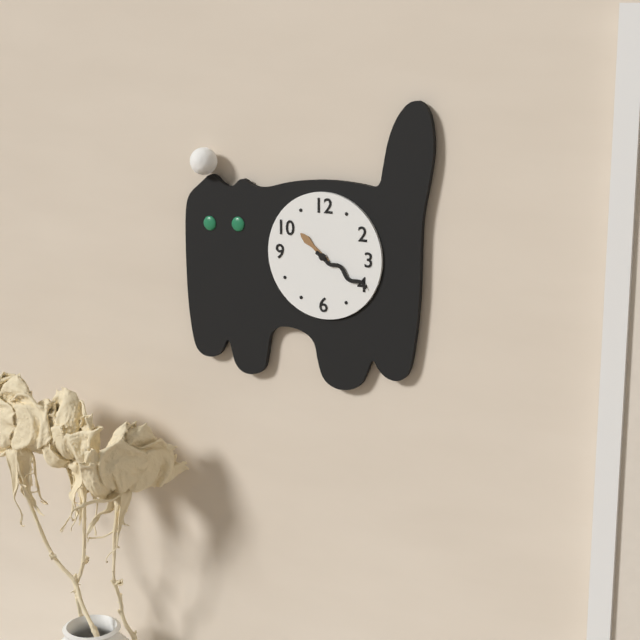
10.20
